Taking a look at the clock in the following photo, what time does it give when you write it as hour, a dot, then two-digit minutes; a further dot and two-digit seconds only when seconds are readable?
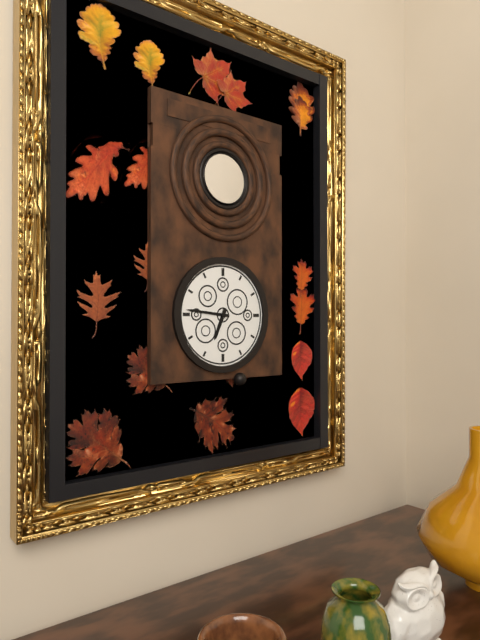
6.46
